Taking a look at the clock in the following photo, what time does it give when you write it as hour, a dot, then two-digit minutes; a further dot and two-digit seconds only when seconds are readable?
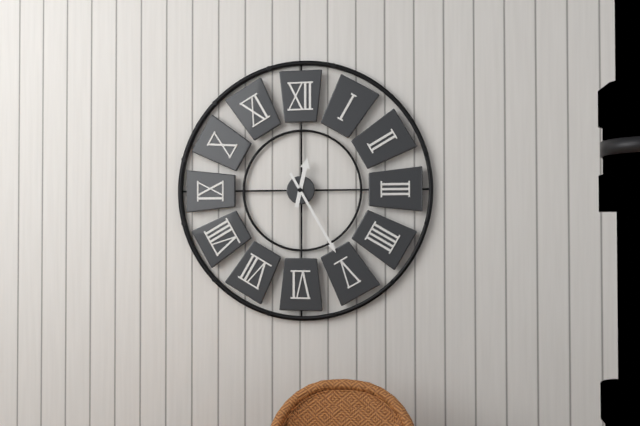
12.25
